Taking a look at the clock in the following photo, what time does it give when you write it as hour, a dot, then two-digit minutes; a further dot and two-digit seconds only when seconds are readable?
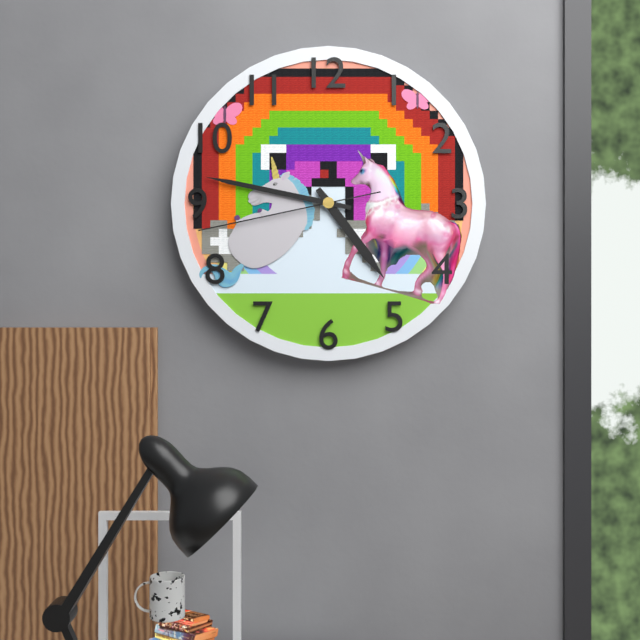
4.47.43
